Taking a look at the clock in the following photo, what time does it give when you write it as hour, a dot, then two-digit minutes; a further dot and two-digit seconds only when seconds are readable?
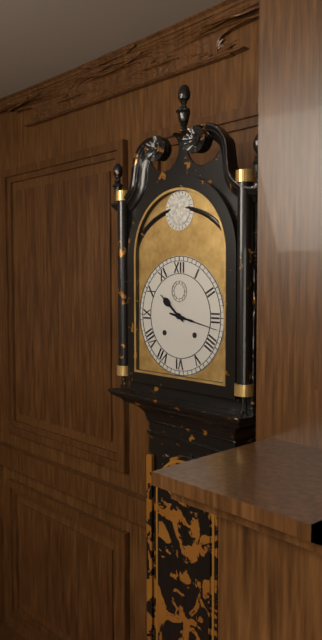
10.17
